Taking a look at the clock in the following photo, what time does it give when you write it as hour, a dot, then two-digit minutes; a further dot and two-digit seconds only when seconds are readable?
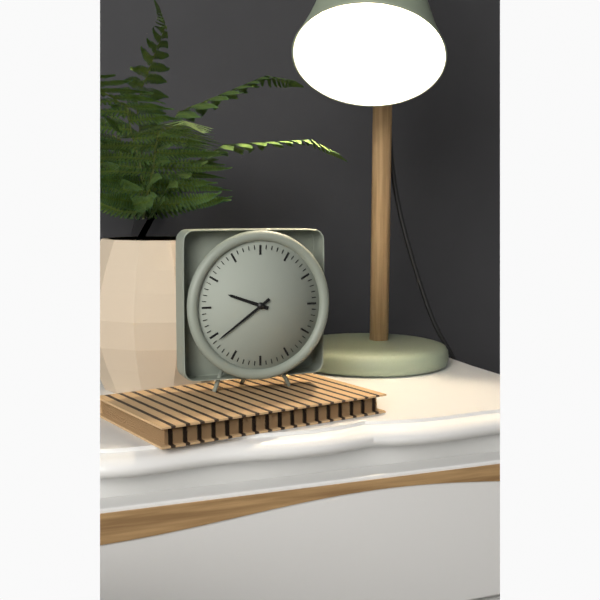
9.39
